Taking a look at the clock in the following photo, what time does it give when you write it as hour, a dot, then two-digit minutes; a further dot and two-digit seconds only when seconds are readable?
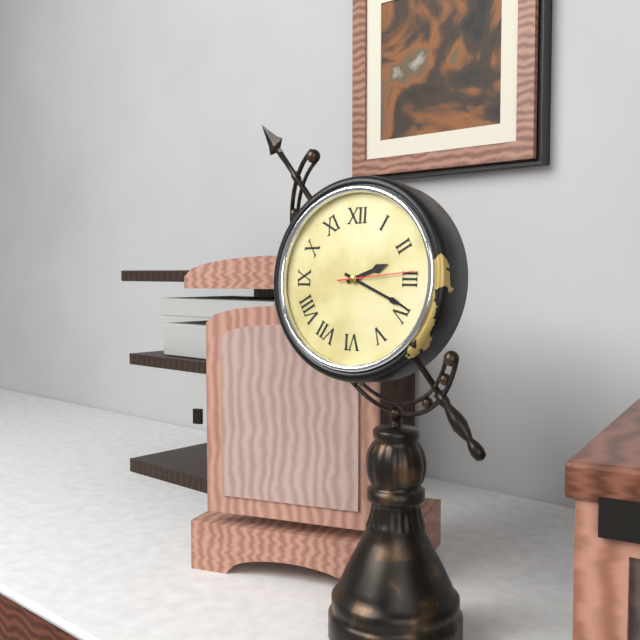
2.19.14
